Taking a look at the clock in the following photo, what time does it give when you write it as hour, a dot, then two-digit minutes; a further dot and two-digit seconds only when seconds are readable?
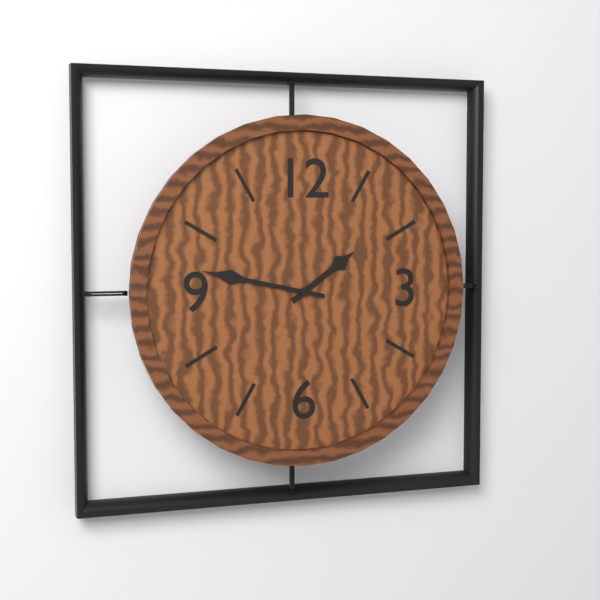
1.47
